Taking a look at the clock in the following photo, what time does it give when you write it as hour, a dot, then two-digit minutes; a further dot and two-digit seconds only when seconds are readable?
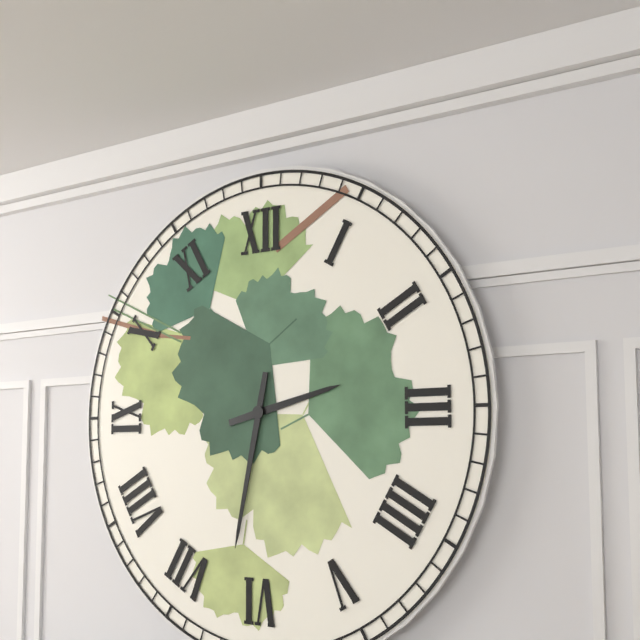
2.32
